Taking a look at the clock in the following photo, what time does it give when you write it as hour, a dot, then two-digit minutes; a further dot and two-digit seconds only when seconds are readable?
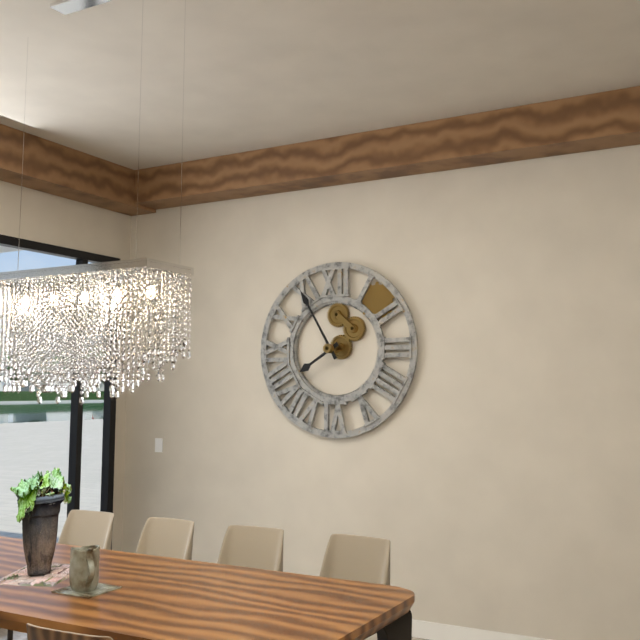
7.55
